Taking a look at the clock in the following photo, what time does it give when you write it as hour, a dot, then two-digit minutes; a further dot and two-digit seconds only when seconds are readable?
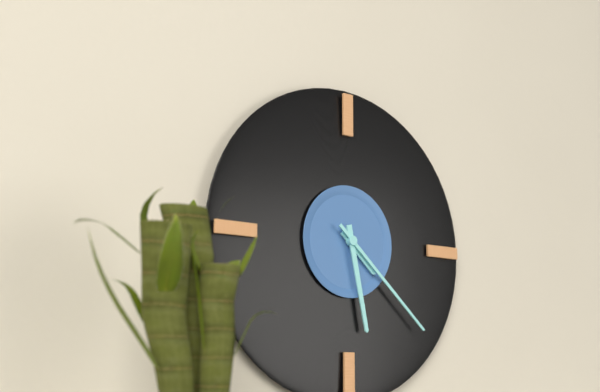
4.28.22
